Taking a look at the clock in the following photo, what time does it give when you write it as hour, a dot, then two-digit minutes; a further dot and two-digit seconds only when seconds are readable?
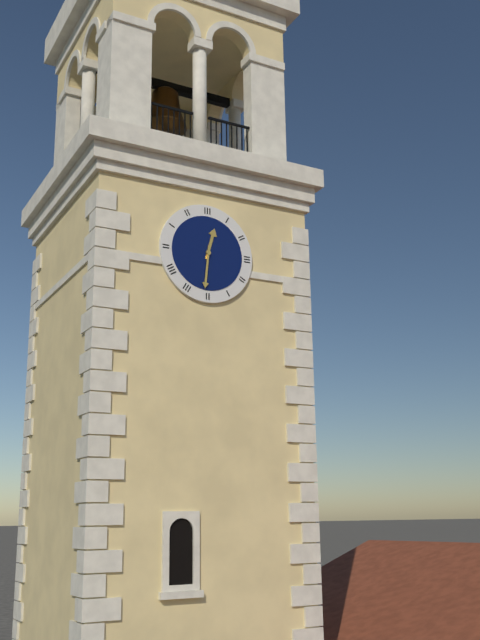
12.31
